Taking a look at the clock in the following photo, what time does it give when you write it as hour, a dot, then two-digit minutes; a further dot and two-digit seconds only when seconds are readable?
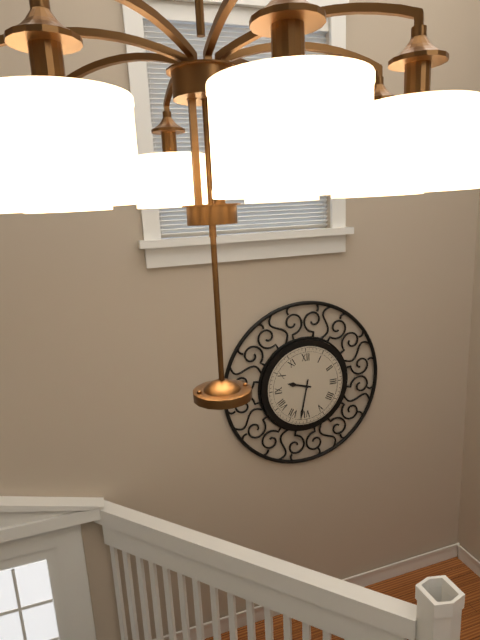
9.32
